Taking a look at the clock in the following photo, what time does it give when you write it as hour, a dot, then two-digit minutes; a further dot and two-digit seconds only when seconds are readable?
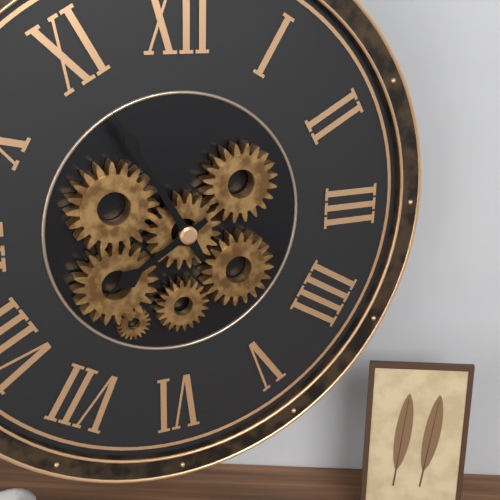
7.55
